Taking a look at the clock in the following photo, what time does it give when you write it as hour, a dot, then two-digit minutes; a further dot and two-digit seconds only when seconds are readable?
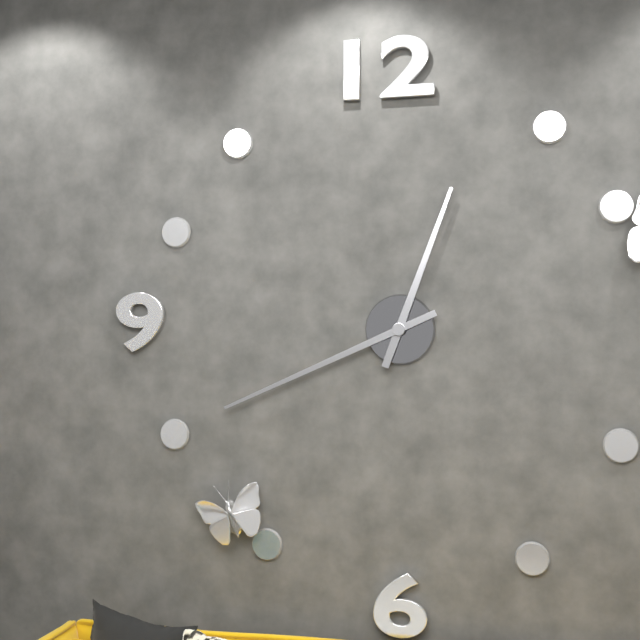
12.41
